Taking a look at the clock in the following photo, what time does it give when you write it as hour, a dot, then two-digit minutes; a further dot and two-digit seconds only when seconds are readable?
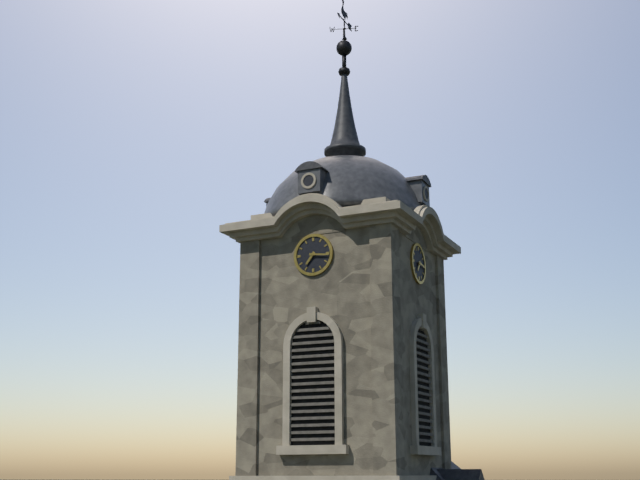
7.16
